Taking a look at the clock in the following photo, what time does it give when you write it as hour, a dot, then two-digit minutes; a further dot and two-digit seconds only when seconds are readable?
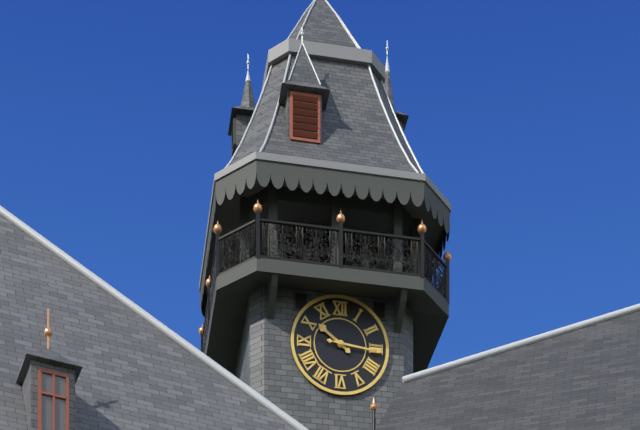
10.16
